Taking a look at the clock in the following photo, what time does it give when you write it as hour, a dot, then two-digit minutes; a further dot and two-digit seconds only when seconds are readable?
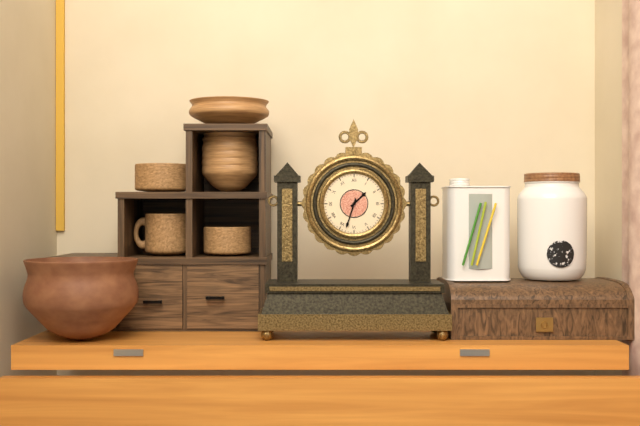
1.33
